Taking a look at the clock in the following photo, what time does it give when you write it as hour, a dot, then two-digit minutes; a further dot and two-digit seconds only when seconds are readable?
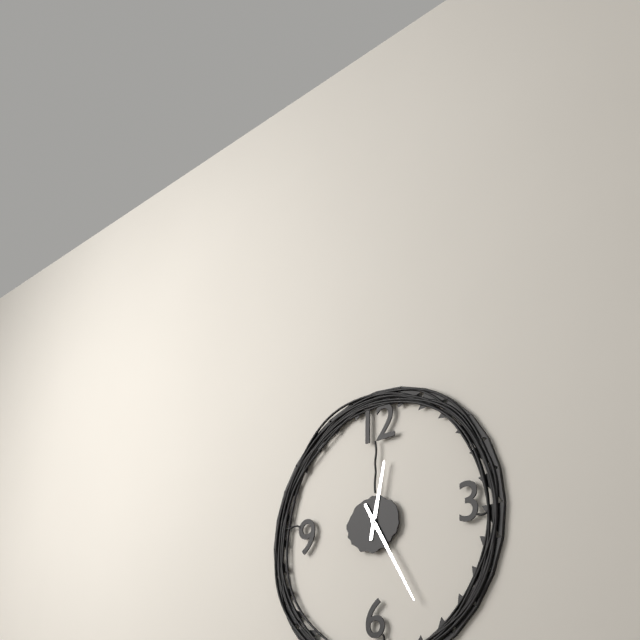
12.25
